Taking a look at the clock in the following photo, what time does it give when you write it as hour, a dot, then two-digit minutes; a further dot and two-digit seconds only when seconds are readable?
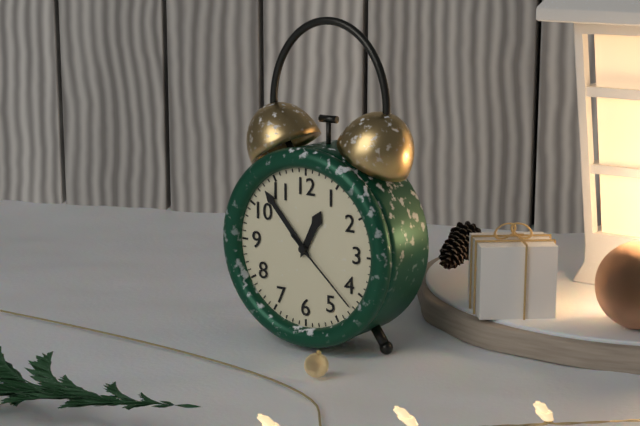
12.53.22
